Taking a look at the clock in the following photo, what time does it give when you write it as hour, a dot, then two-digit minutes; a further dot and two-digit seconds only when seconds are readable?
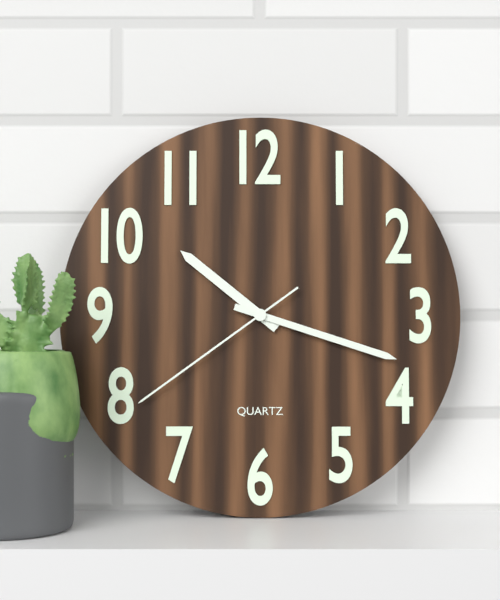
10.18.39
